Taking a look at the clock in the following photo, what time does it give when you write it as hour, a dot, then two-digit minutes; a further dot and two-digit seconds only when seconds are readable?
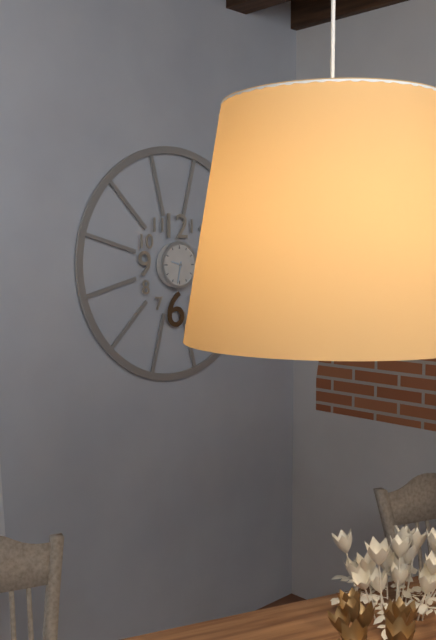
9.32
